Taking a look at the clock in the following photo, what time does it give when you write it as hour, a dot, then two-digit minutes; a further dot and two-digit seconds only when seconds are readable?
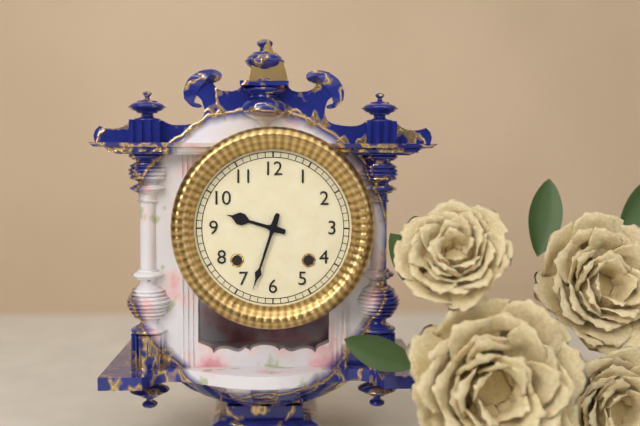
9.33
